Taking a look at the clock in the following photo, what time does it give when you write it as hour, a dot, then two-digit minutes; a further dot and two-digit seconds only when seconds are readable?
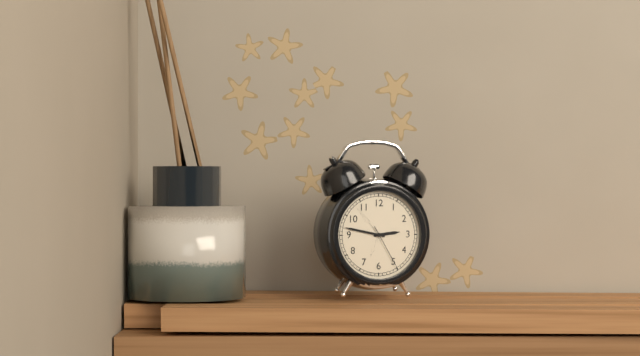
2.47
